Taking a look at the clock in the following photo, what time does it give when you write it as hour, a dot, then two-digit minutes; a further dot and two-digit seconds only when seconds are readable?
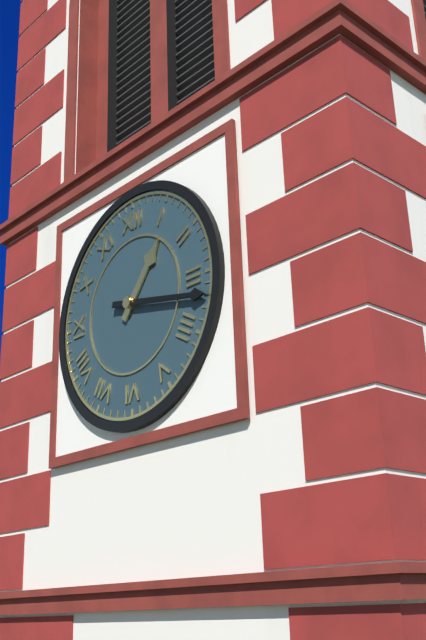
1.17
